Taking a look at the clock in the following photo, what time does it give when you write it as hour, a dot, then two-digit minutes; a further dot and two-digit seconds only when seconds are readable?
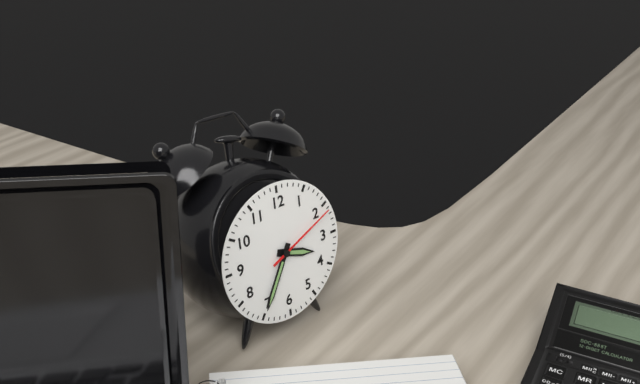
3.35.11
